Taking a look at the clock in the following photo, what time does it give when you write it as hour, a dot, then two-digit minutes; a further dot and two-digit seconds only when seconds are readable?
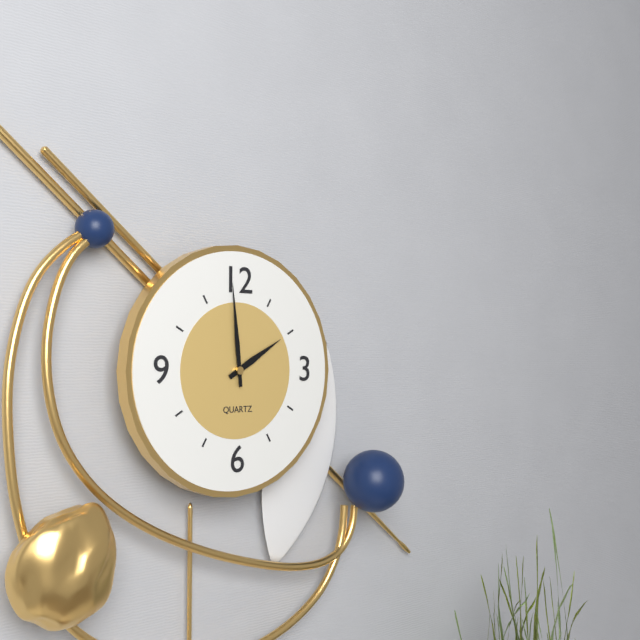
1.59
